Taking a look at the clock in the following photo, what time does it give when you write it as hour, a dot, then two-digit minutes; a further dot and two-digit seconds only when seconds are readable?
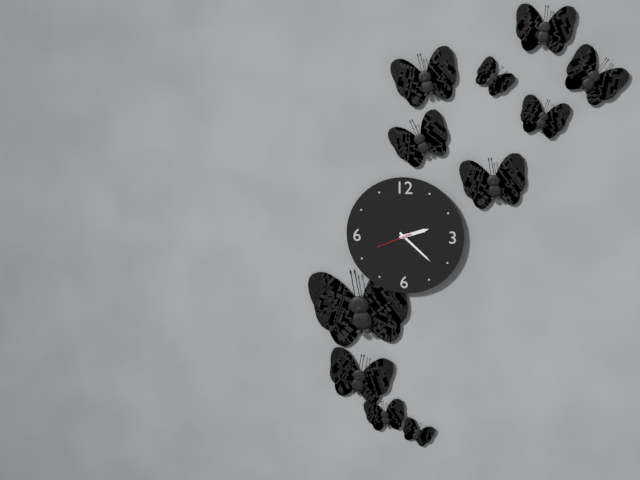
2.22
